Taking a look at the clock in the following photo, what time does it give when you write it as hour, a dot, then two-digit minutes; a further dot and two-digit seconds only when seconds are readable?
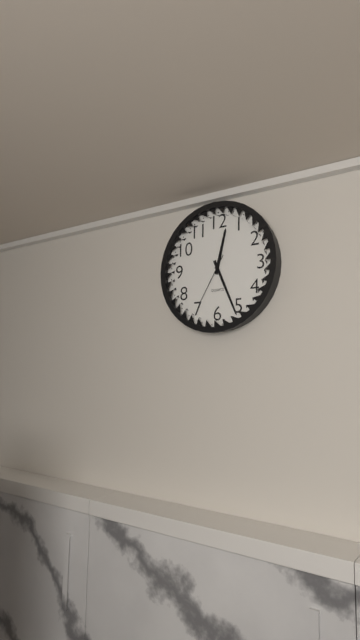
12.26.35
